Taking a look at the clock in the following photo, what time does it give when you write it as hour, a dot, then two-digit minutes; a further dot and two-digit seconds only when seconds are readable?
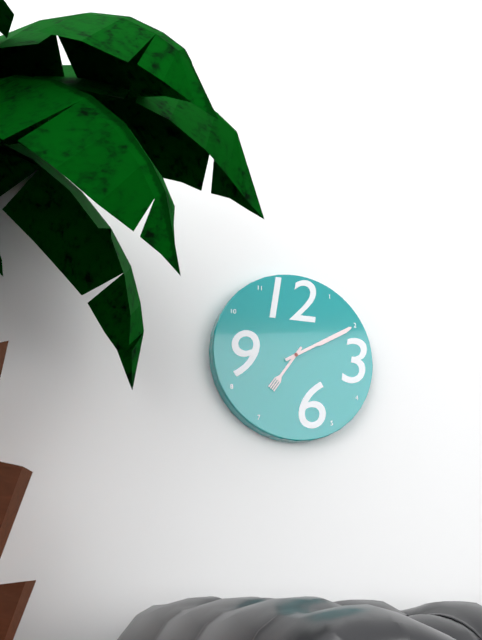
7.10
